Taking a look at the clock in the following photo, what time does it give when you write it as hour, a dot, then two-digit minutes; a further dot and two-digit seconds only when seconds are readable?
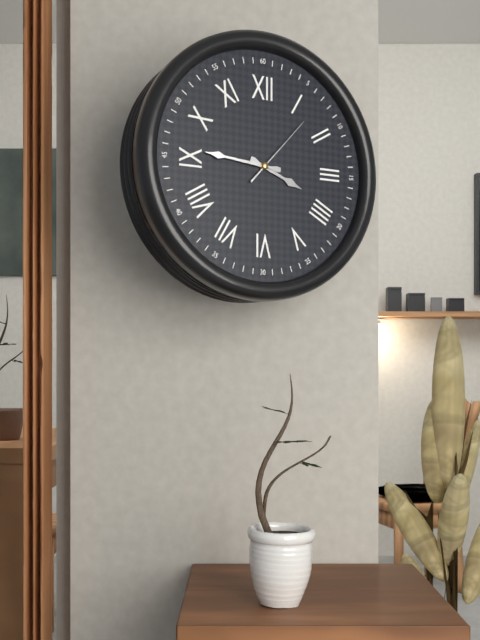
3.46.07
